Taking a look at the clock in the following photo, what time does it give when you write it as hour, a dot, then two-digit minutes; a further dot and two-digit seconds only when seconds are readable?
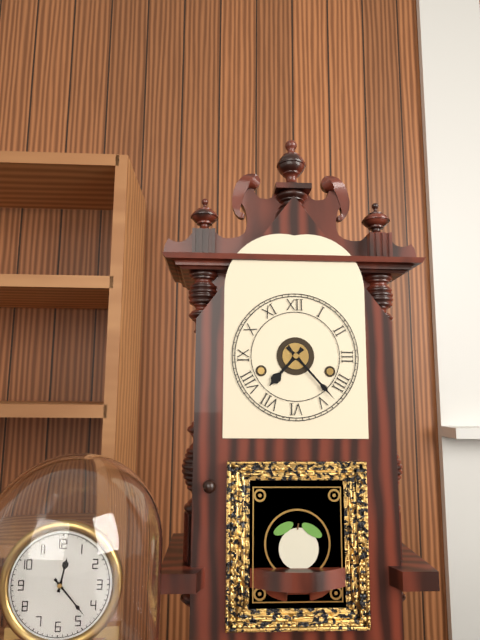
7.23
